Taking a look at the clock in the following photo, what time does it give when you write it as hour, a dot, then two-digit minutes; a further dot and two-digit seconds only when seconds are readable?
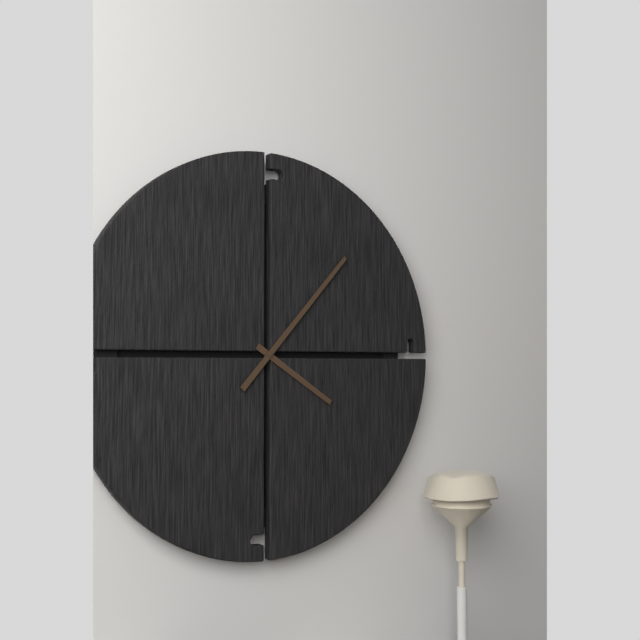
4.07
